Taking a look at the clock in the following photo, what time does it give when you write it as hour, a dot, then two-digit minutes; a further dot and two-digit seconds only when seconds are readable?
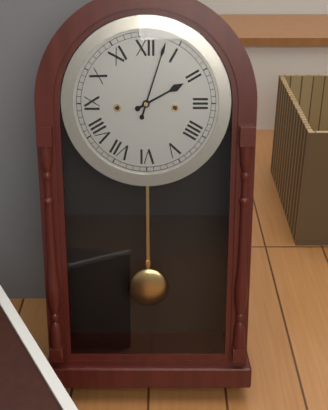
2.03
